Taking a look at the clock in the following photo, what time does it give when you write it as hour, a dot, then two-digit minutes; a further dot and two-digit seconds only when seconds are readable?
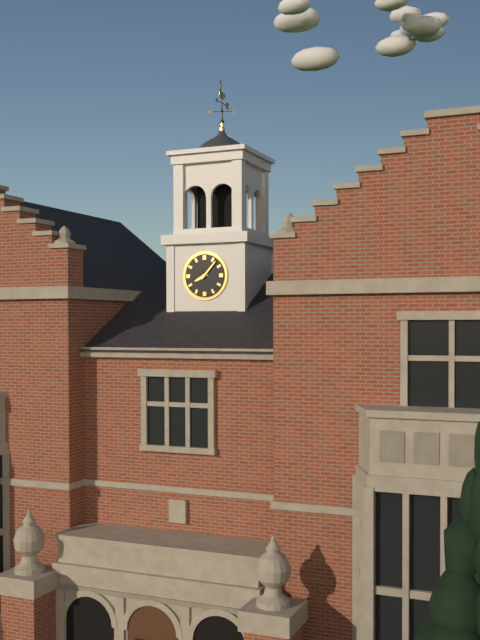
8.07
